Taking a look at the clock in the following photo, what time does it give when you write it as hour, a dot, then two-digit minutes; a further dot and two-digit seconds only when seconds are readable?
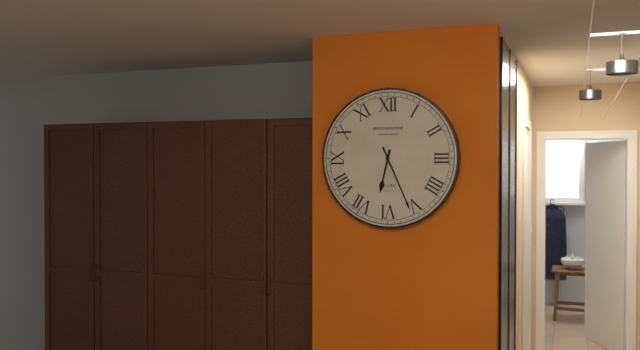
6.26
